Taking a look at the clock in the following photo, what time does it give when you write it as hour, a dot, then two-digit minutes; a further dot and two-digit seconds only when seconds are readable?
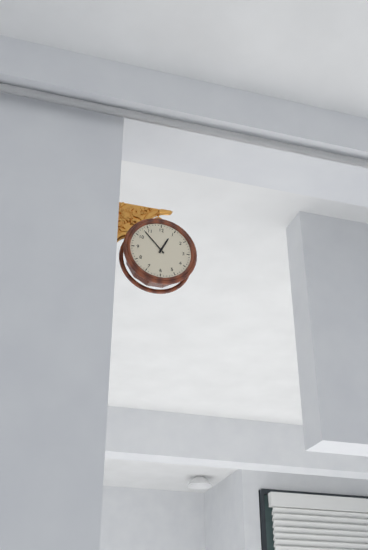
12.53
